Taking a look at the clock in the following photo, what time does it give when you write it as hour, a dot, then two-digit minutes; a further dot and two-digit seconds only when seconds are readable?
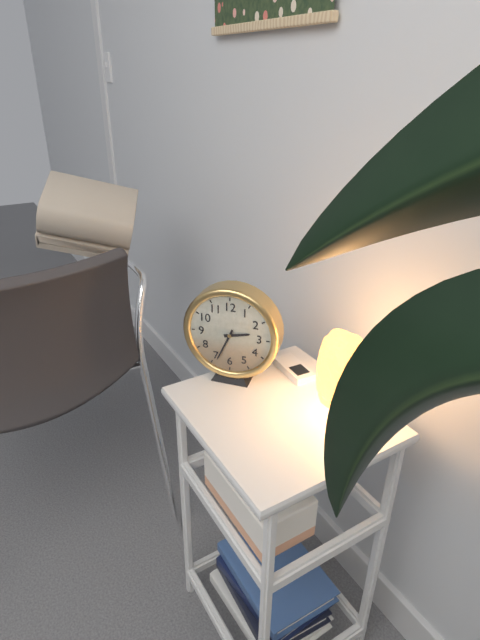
2.34
